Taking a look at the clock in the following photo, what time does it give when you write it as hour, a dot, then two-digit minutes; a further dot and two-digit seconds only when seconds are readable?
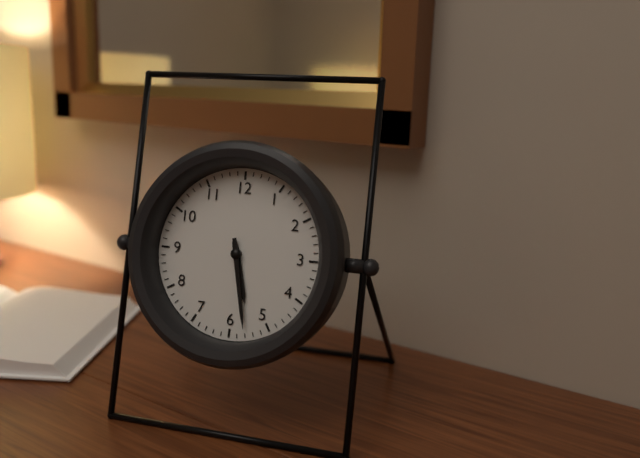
5.28
